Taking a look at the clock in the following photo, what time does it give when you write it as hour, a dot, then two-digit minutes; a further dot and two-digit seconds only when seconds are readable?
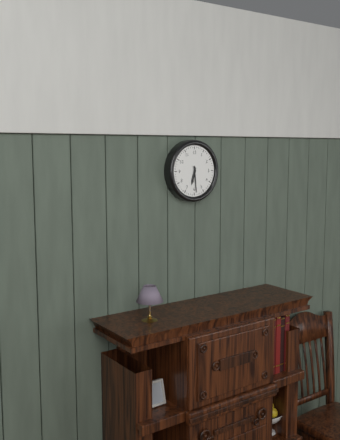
6.29
